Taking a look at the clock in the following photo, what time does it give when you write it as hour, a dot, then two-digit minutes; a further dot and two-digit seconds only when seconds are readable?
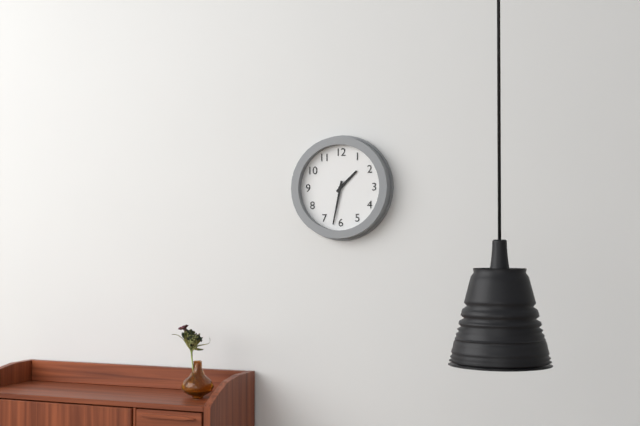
1.32
